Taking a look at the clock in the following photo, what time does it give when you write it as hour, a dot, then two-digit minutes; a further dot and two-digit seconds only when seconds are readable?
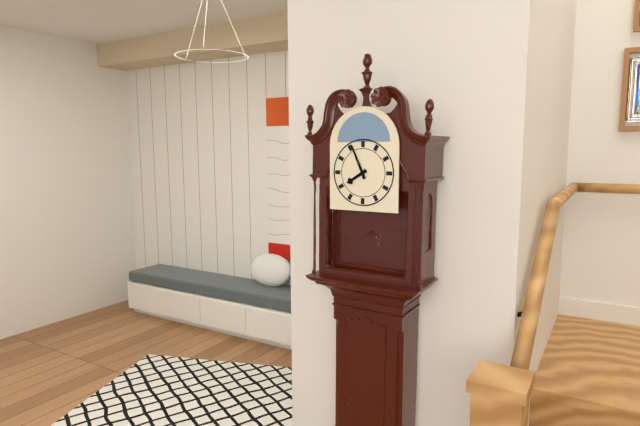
7.56
